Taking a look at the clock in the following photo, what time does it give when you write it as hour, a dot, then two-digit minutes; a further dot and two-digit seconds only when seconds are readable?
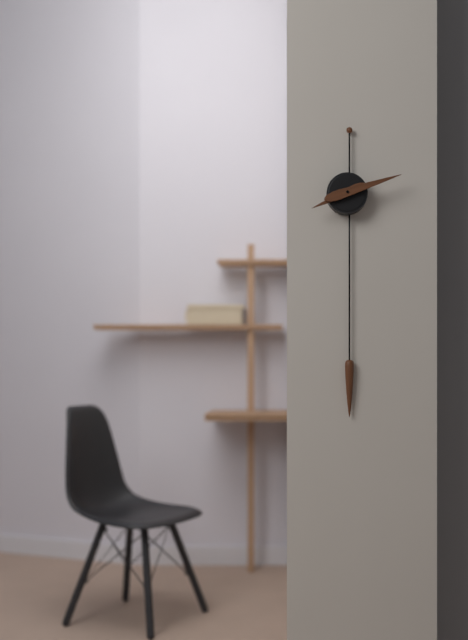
8.12
